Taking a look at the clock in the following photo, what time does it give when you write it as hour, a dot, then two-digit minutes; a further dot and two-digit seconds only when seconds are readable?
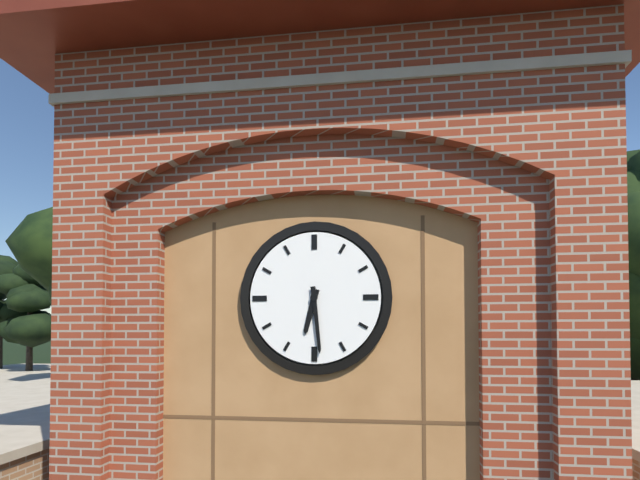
6.29
